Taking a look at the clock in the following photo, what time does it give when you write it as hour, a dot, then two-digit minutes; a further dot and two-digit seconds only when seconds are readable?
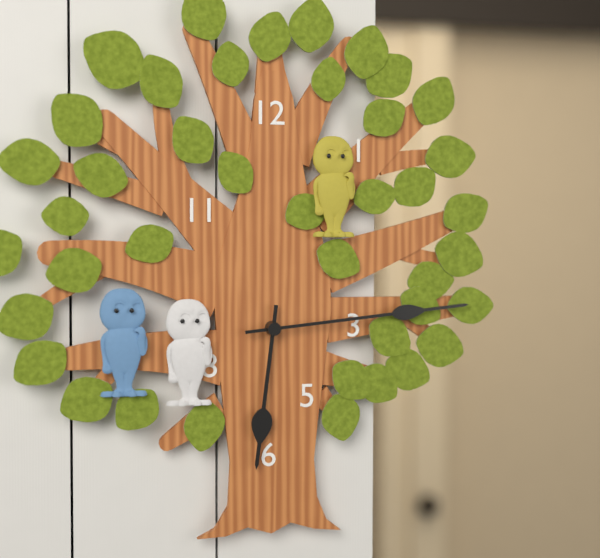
6.14
